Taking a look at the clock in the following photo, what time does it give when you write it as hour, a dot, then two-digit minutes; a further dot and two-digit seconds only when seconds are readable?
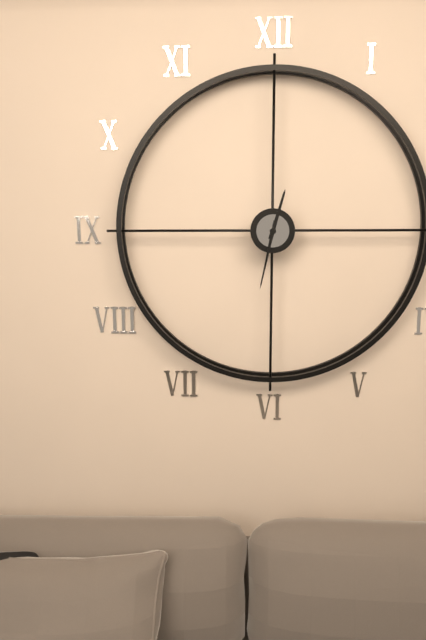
12.32
